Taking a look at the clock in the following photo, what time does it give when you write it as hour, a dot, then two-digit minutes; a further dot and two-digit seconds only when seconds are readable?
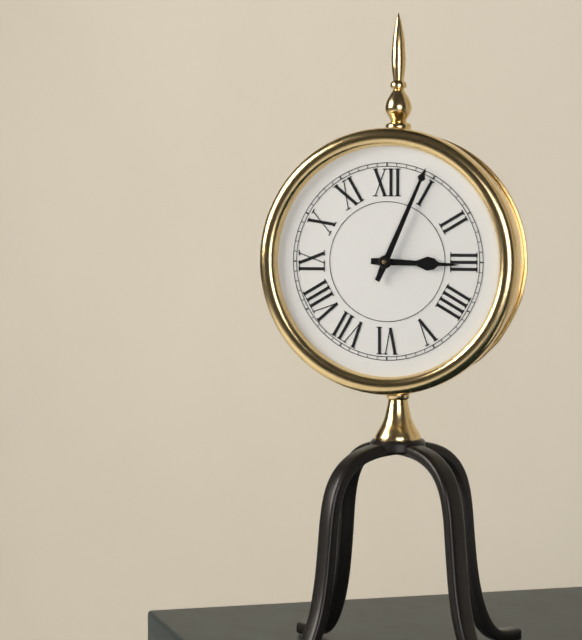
3.04
